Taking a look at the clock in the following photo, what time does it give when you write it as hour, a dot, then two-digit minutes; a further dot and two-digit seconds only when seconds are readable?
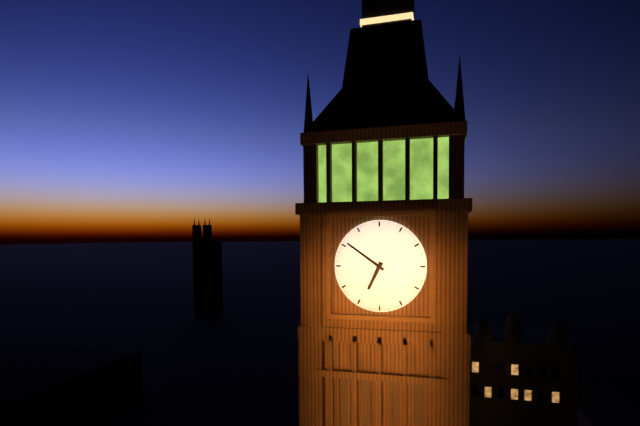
6.51
